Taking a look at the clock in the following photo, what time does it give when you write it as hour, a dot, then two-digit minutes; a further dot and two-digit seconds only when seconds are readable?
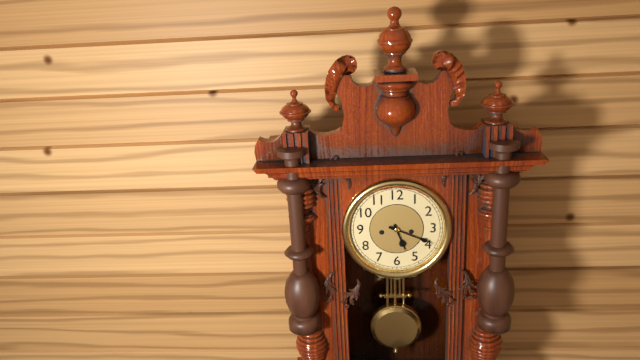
5.19
